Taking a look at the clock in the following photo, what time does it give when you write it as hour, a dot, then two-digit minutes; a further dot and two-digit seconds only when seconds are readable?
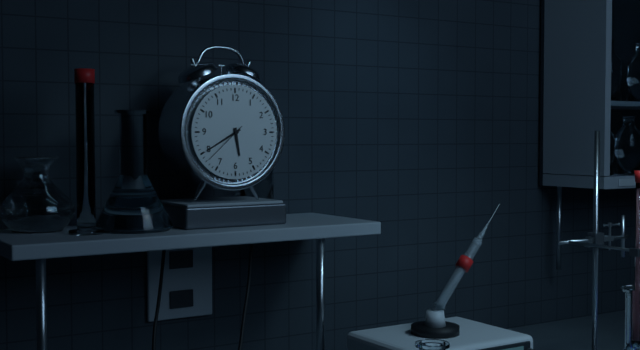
5.40
